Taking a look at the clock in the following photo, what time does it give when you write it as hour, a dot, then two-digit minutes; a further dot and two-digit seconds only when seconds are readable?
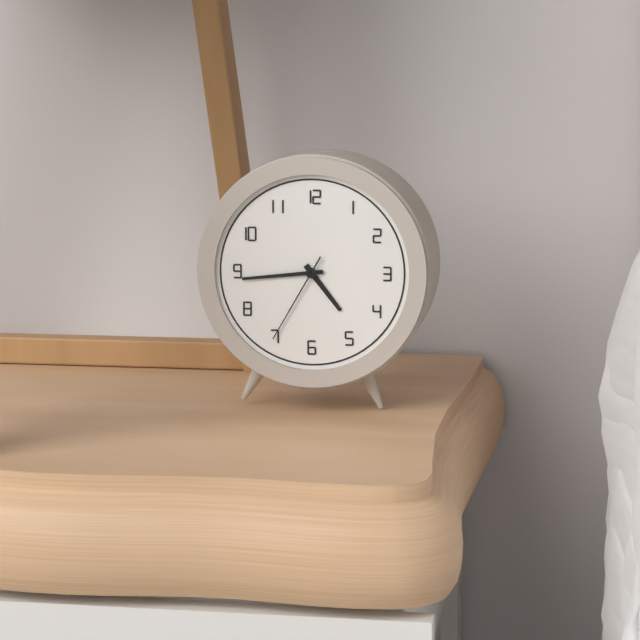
4.44.35
